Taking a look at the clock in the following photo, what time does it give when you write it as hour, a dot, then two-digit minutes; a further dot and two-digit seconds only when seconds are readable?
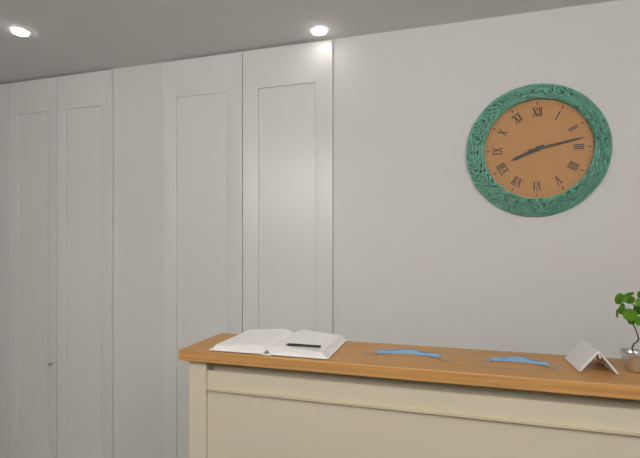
8.13
